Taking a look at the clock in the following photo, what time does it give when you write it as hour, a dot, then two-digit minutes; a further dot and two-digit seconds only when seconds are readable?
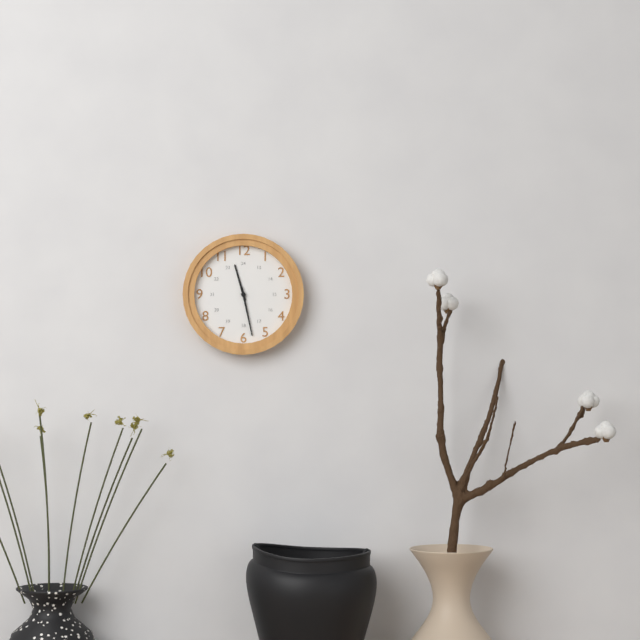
11.28
